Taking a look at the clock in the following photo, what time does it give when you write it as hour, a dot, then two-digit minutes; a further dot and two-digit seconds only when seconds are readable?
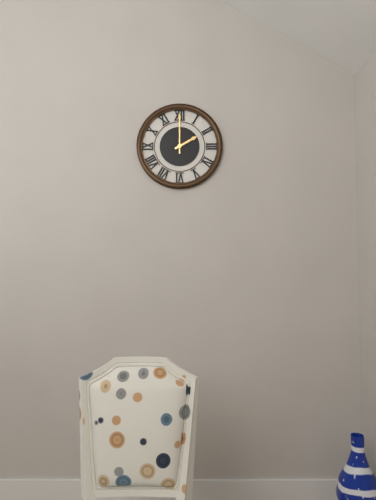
2.00
